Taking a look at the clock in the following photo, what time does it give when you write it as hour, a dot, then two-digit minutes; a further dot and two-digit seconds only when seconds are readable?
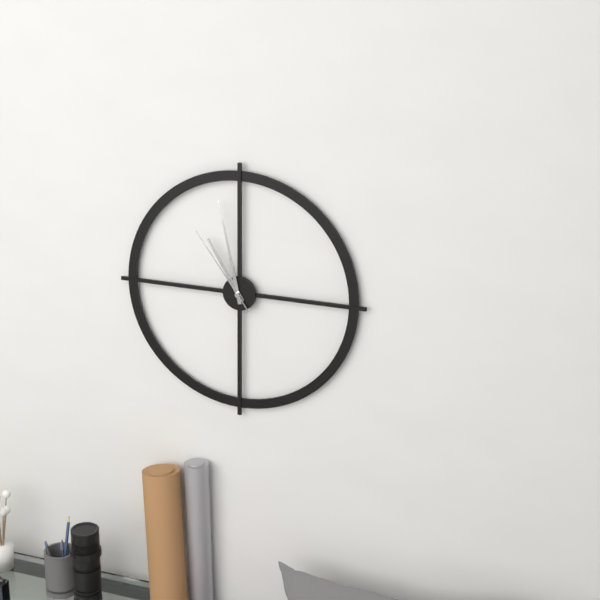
10.58.54
